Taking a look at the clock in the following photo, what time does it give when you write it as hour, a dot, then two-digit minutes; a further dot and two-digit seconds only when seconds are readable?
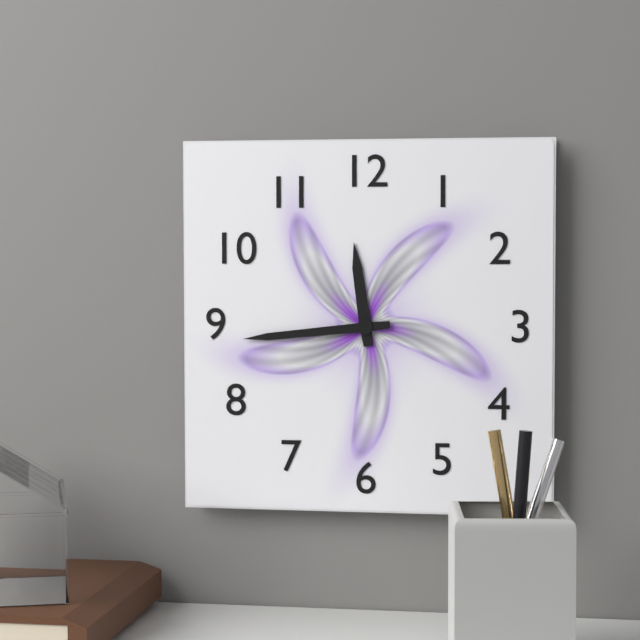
11.44
